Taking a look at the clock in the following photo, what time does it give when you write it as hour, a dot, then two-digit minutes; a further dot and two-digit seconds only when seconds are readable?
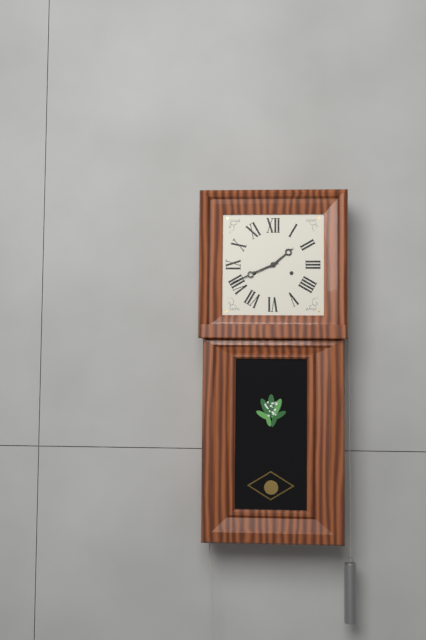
1.41
